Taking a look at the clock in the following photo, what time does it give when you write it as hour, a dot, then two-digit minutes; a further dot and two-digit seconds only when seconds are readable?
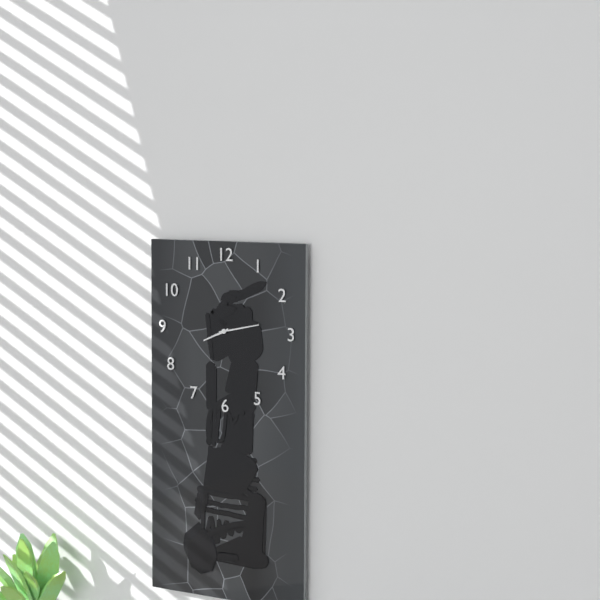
8.13
